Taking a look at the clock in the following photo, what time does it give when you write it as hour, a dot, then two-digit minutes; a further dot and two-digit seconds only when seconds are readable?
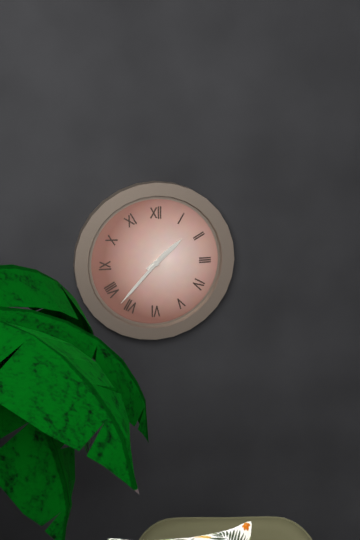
1.37
